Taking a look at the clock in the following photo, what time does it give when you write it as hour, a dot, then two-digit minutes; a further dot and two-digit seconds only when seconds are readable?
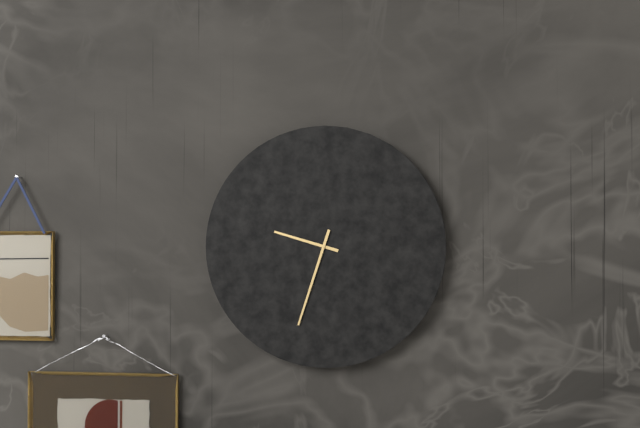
9.33
